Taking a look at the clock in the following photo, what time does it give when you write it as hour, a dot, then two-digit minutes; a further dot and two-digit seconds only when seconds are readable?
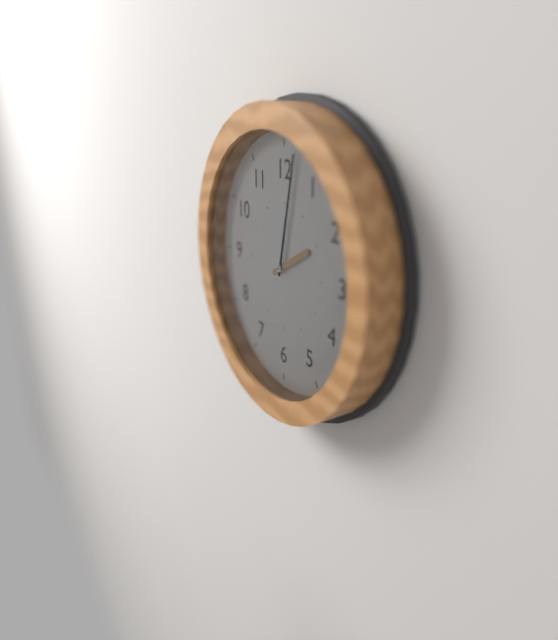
2.02
